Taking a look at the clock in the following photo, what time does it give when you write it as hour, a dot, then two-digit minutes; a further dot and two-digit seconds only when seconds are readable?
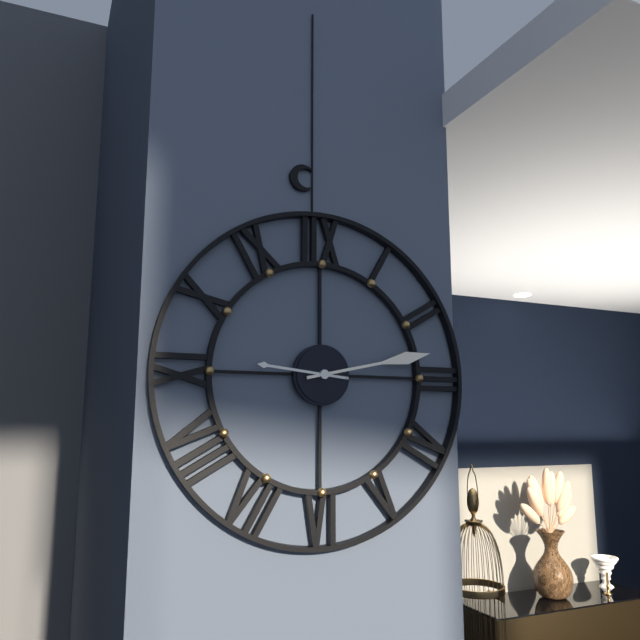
9.13
